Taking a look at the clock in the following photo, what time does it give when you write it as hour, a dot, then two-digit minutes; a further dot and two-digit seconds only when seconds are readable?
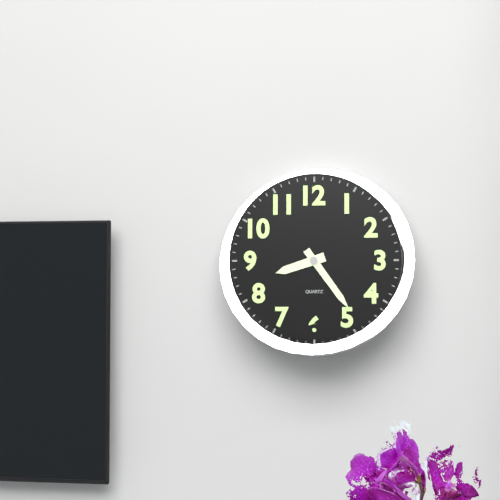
8.24
